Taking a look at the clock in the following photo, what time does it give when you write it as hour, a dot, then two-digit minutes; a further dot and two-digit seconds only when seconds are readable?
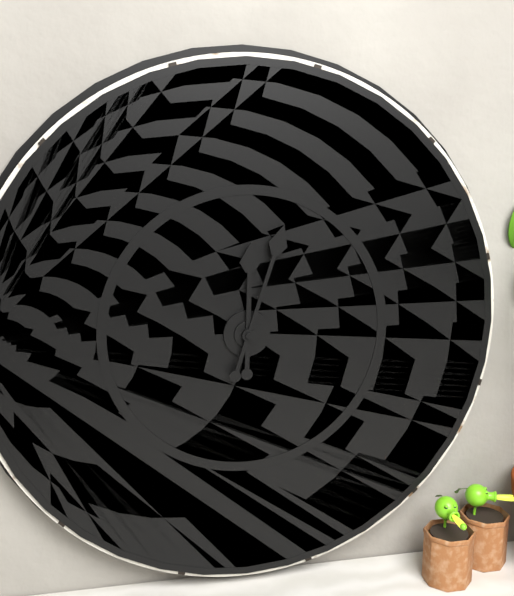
12.03
